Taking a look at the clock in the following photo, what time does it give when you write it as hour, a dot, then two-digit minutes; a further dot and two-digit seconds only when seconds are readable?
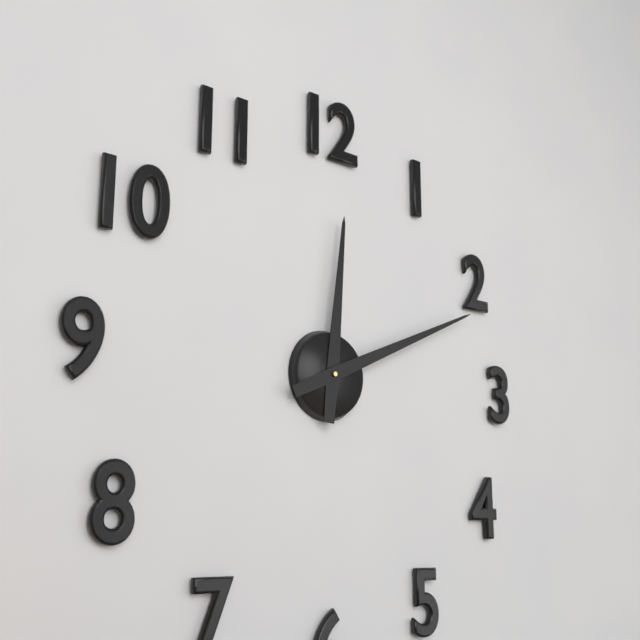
12.11
